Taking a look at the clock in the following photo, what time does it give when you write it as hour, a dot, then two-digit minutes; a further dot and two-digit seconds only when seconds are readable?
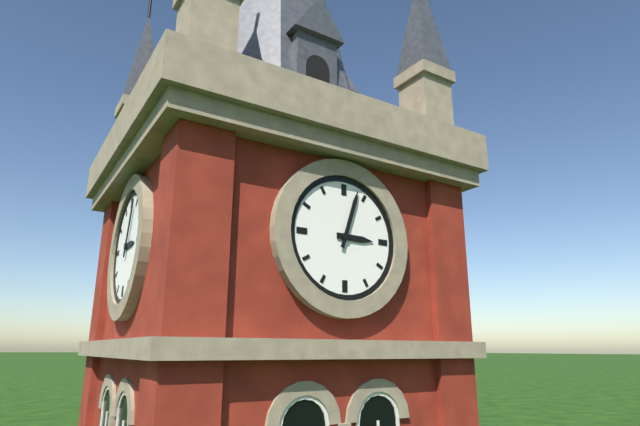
3.03
